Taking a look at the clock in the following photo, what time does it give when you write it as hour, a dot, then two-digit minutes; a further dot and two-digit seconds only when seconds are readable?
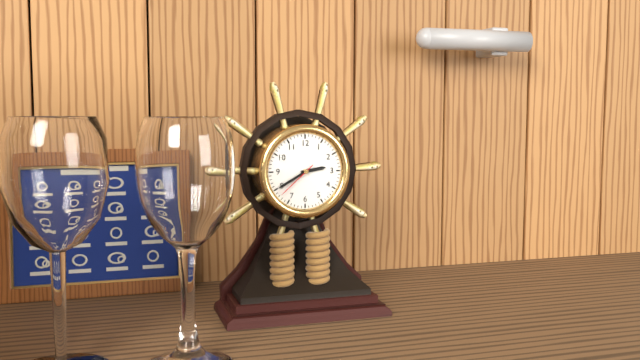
2.40
